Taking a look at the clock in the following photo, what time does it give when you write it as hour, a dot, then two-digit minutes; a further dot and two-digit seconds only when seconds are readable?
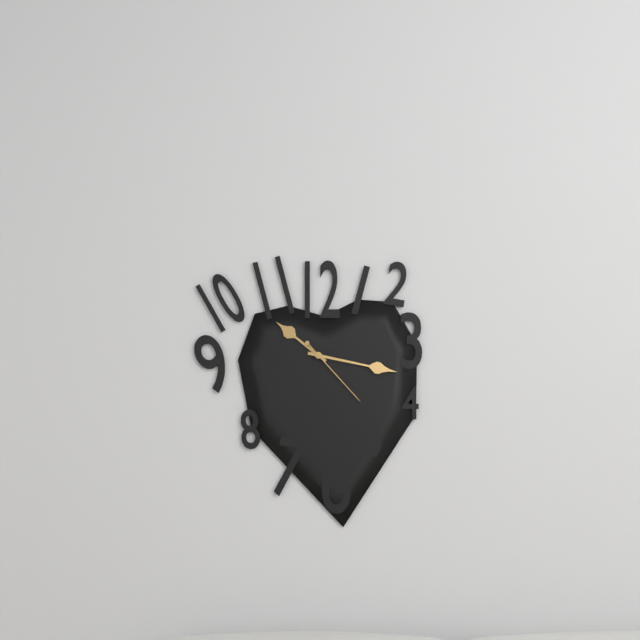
10.17.23
